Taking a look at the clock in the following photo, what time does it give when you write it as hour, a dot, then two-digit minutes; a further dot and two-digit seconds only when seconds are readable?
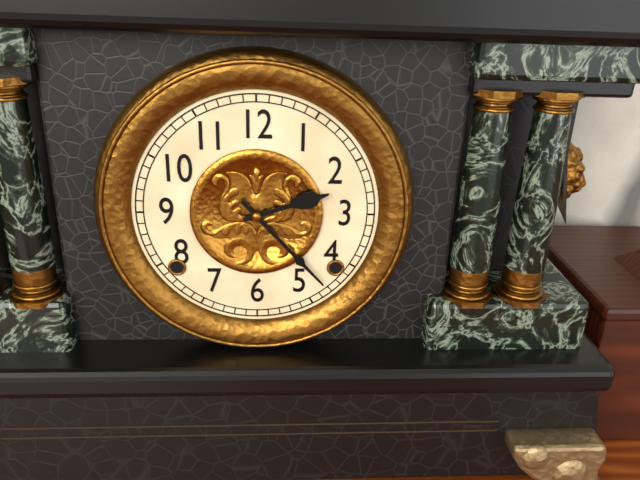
2.23
